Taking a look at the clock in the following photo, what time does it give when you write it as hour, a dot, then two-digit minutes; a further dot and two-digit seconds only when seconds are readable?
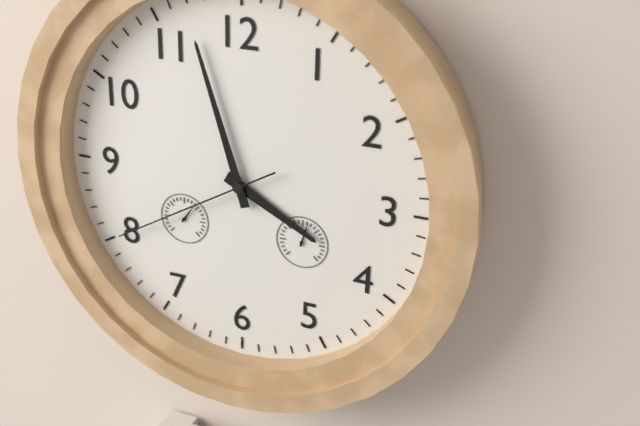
3.57.40
